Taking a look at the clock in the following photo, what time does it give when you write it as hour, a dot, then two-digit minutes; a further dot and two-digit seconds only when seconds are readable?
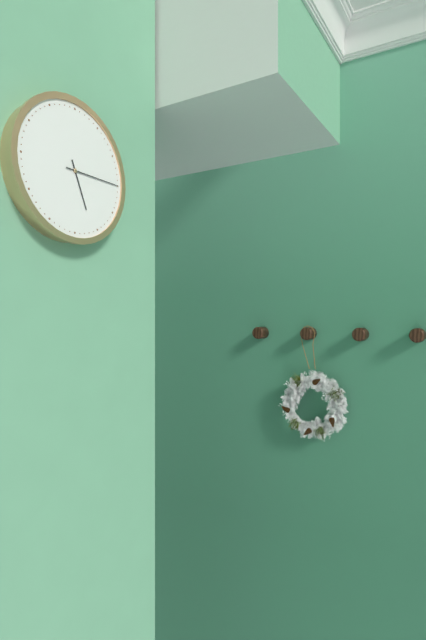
5.15
